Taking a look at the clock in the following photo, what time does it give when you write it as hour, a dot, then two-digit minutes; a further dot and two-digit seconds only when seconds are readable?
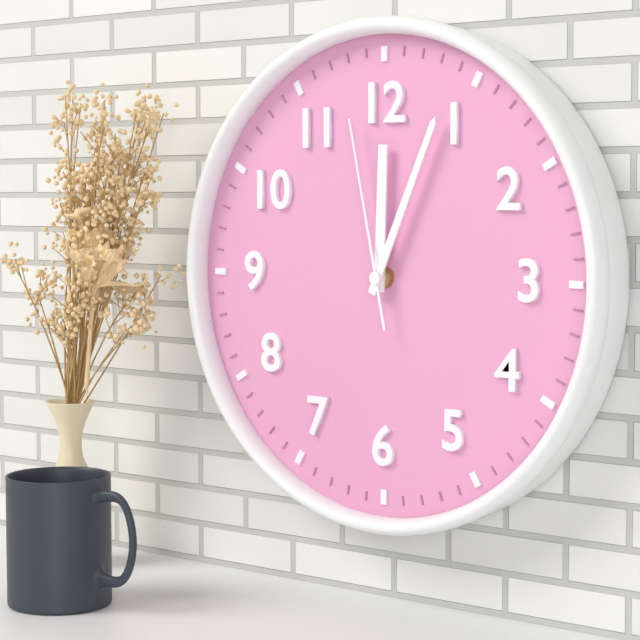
12.04.58
